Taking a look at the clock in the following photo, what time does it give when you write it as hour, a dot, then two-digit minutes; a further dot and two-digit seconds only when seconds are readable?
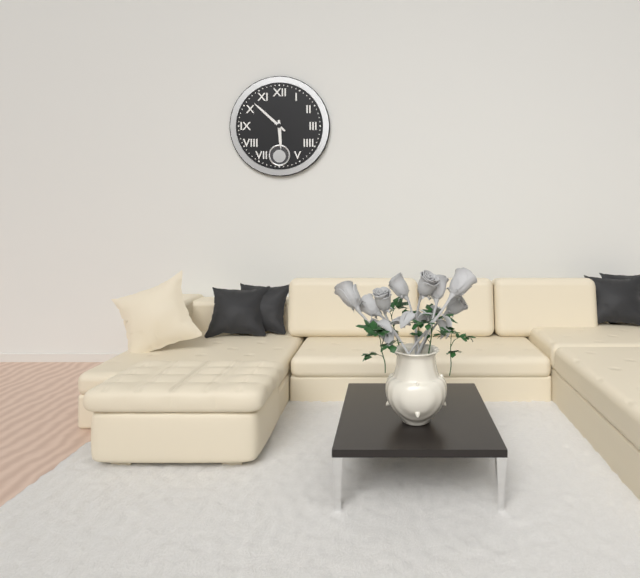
5.52
